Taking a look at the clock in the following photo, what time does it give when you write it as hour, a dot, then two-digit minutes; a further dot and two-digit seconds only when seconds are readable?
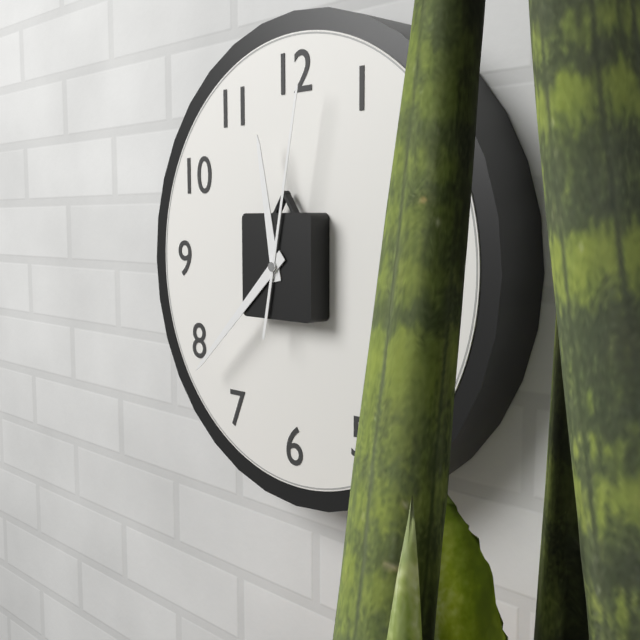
11.38.02
